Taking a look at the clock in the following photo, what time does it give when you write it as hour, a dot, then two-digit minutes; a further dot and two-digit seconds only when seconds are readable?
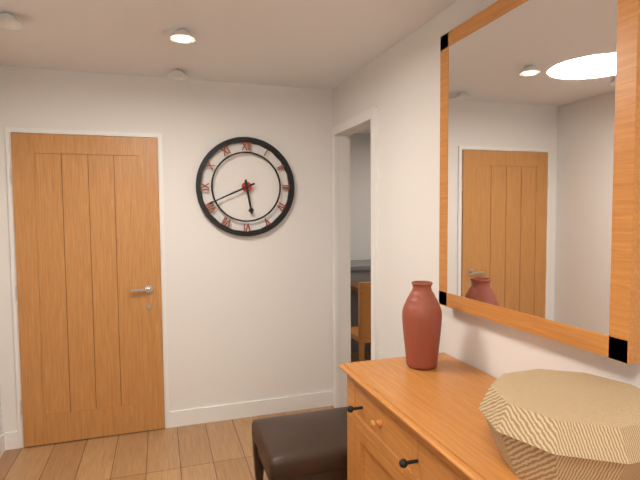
5.41
